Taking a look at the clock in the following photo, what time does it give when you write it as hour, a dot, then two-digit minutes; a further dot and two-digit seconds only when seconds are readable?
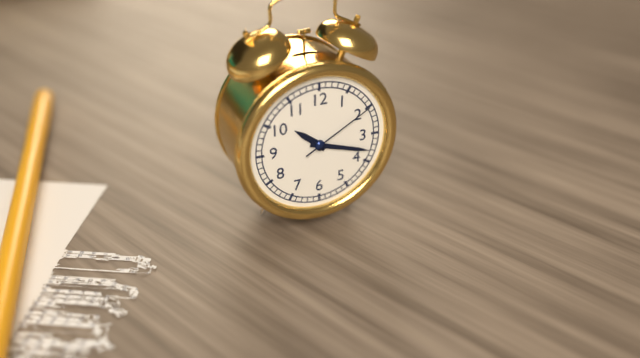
10.18.10
